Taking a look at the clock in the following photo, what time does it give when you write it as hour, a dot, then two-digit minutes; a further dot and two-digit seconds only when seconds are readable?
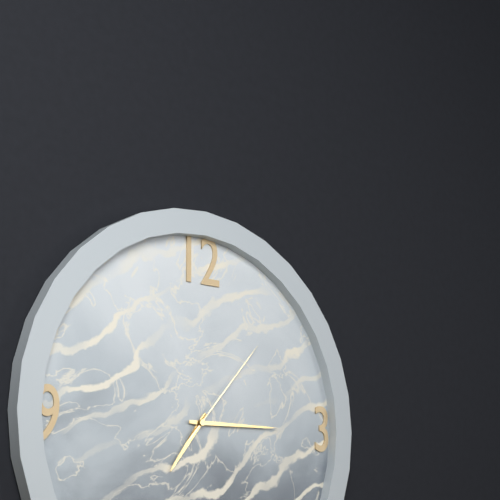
7.15.07
